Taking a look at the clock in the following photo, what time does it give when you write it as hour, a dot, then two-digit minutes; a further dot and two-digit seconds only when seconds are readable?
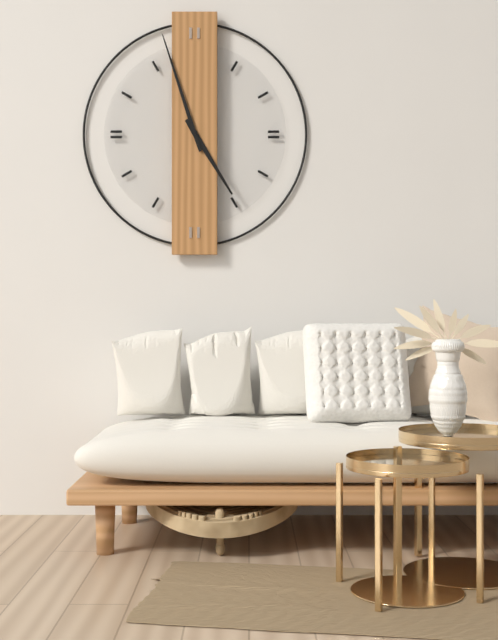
4.57
